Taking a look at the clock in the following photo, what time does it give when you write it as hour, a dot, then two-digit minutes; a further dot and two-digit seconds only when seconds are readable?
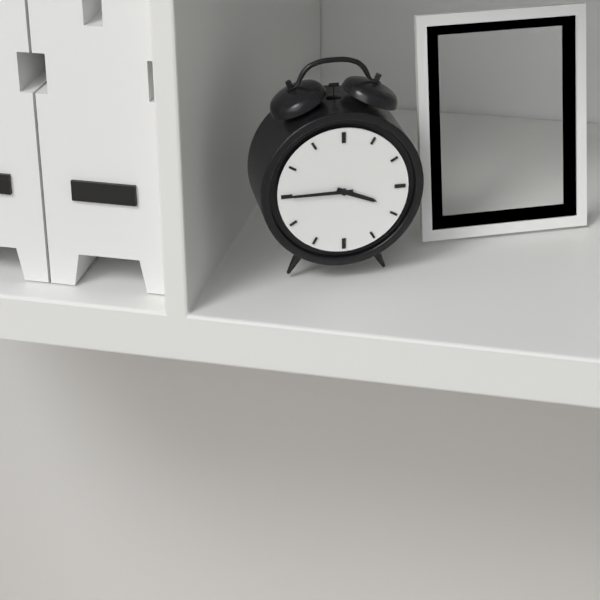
3.45
